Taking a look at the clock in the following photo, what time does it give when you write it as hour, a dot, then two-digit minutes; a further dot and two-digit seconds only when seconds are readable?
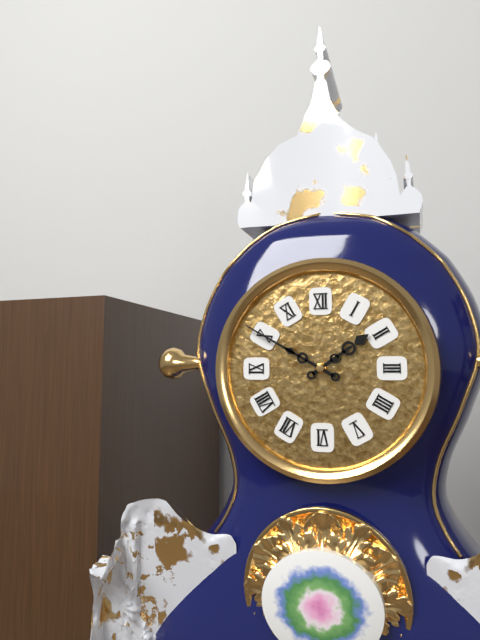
1.50
